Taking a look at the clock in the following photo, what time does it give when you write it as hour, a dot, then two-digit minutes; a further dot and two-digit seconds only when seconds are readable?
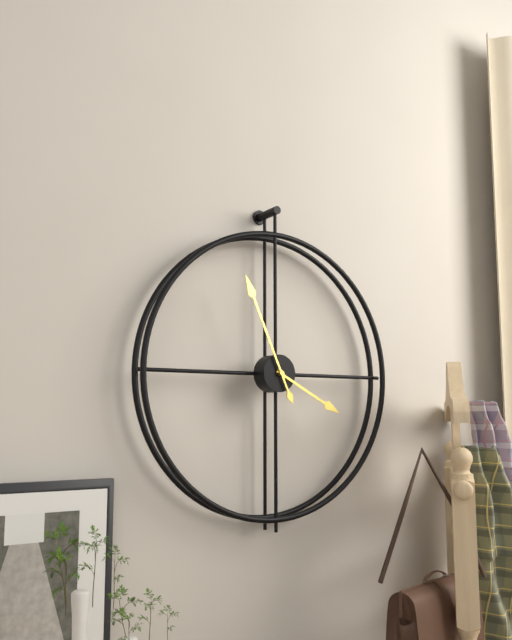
3.56
